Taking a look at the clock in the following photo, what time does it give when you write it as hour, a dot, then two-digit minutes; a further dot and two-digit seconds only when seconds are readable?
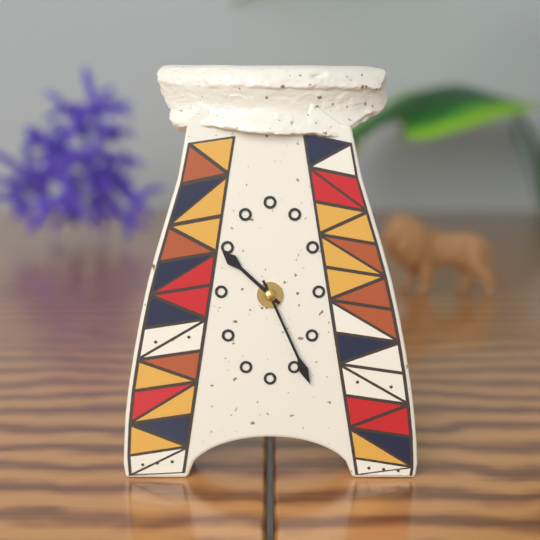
10.26
